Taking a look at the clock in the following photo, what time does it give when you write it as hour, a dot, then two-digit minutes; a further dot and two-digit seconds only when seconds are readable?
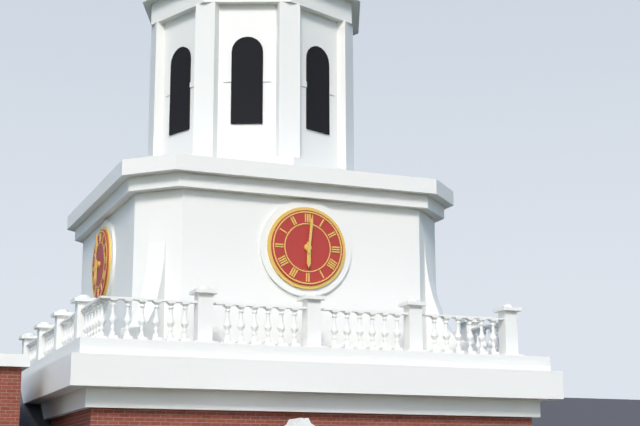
6.01
